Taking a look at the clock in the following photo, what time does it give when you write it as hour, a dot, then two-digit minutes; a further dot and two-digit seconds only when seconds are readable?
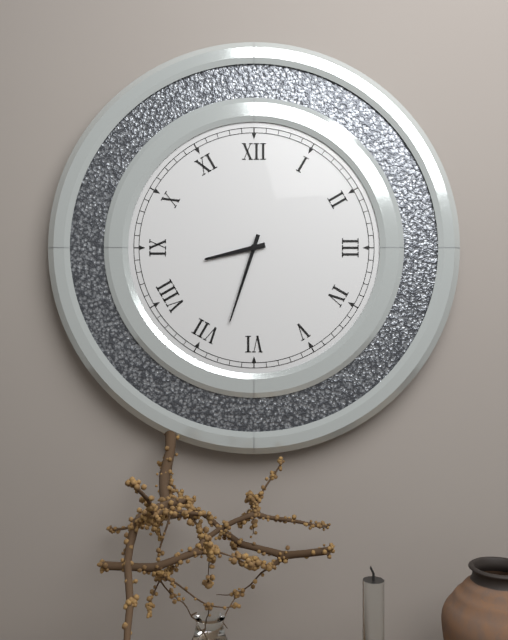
8.33
